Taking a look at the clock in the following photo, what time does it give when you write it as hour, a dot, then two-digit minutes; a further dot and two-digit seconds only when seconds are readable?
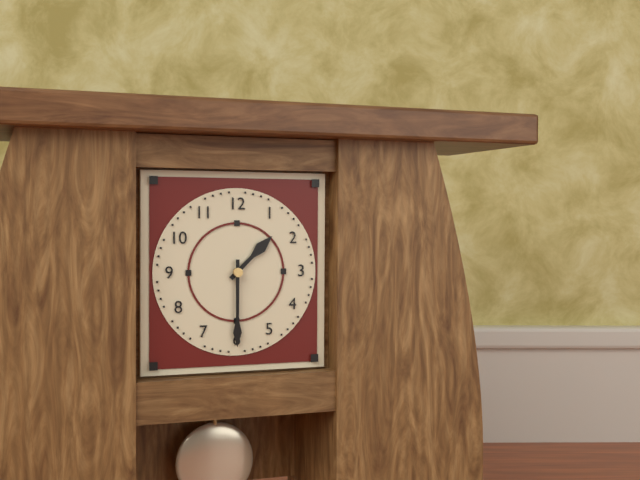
1.30
